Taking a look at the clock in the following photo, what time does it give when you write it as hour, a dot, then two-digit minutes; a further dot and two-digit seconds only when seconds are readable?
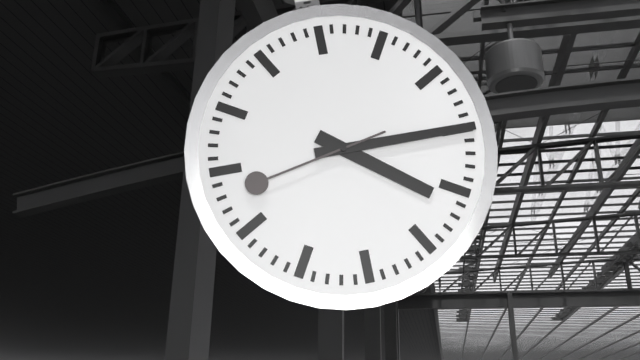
4.15.43
